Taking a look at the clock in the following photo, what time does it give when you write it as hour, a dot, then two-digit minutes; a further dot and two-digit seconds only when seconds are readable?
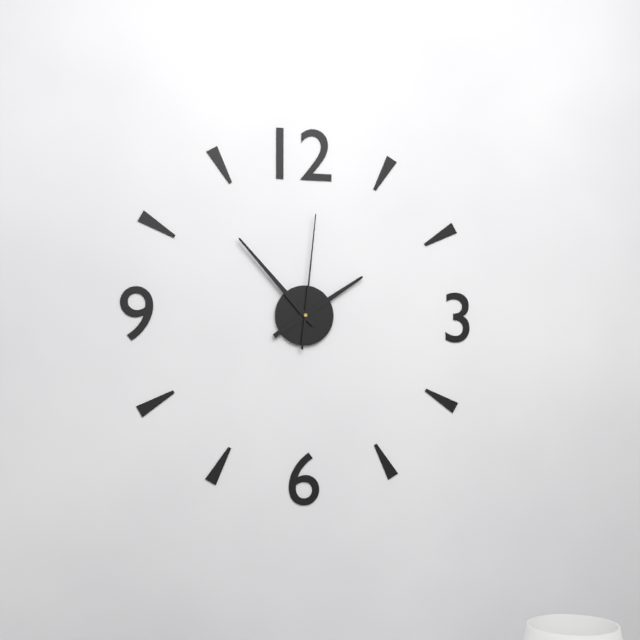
1.53.01
